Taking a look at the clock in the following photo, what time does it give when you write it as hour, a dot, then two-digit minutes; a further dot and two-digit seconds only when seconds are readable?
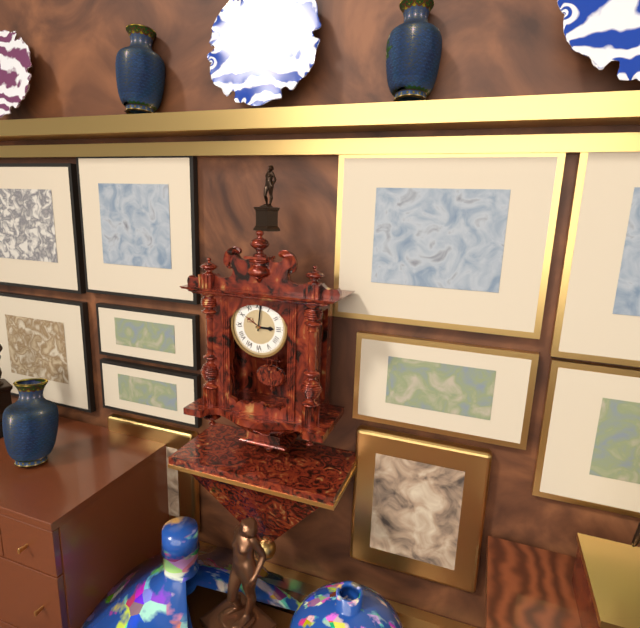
3.01
